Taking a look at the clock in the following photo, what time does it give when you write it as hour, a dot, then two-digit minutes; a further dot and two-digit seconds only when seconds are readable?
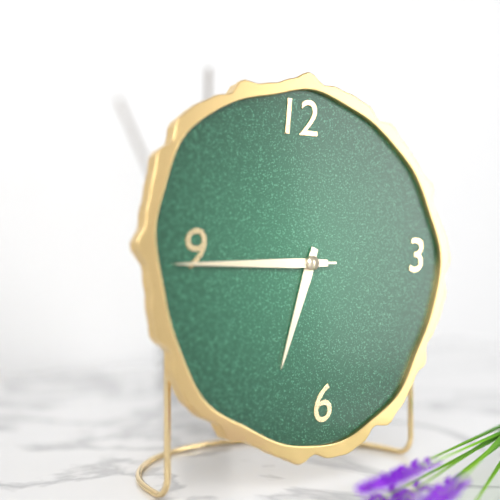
6.45.45
